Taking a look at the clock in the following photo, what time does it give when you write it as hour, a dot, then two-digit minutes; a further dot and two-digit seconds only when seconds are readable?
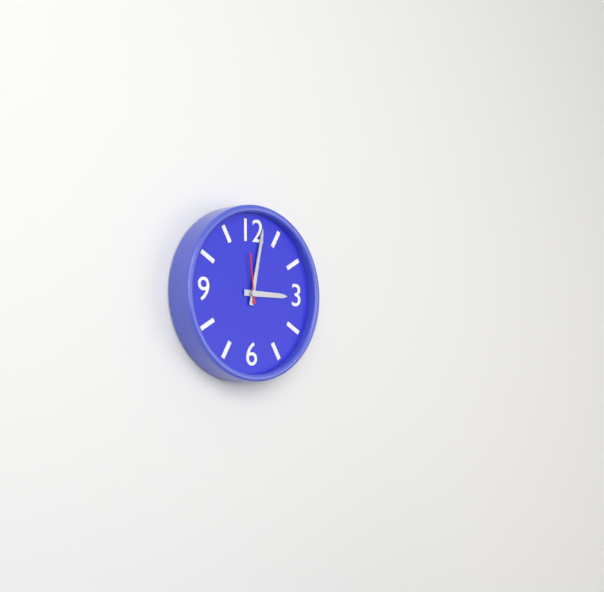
3.02
